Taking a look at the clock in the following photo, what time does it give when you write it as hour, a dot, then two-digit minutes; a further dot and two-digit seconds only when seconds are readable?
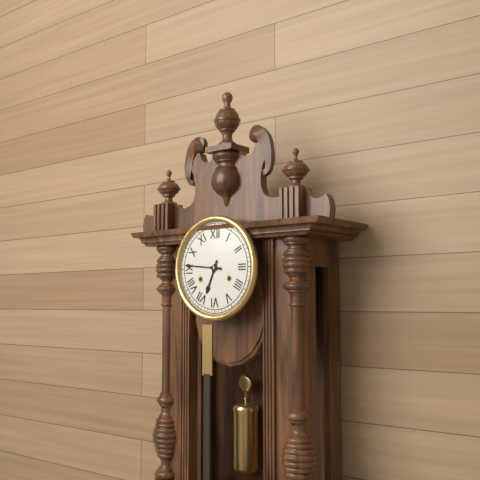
6.46
